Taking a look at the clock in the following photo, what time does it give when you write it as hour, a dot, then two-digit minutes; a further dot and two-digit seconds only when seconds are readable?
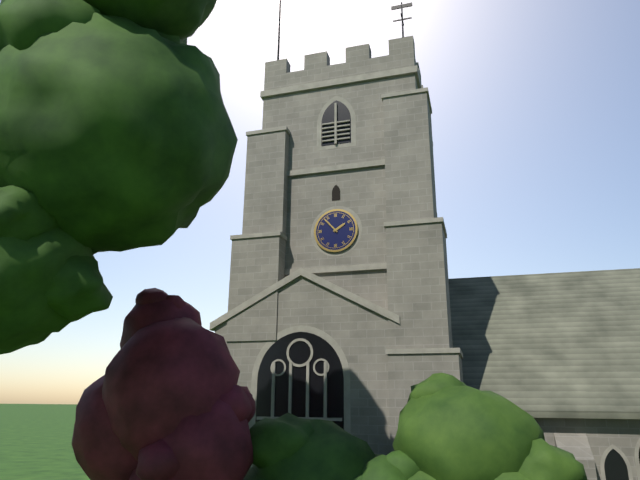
1.53
